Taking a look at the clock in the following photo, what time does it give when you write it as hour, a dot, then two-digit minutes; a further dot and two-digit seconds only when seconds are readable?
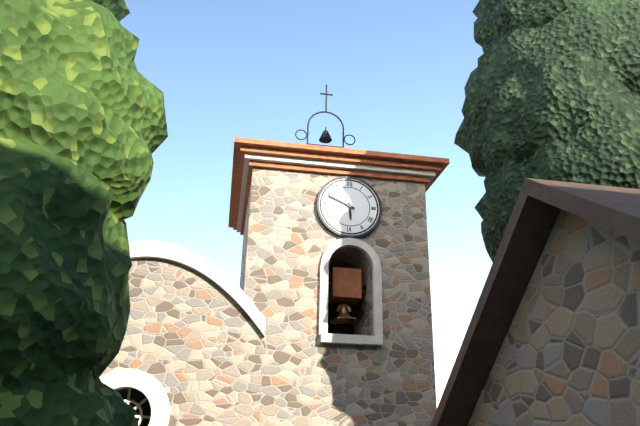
5.49
